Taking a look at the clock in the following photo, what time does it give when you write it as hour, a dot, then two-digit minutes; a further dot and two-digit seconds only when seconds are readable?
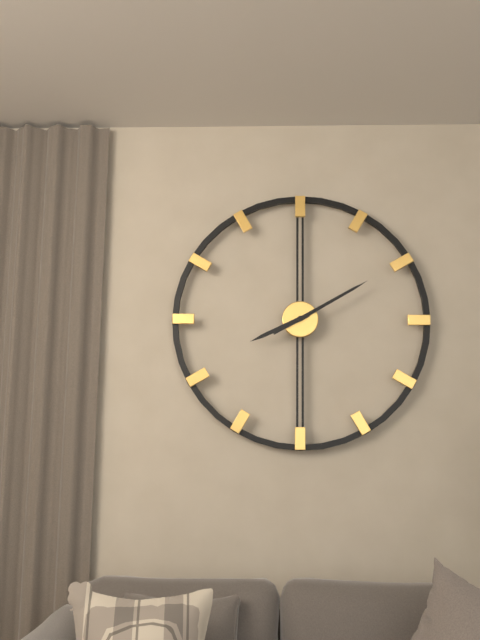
8.10
